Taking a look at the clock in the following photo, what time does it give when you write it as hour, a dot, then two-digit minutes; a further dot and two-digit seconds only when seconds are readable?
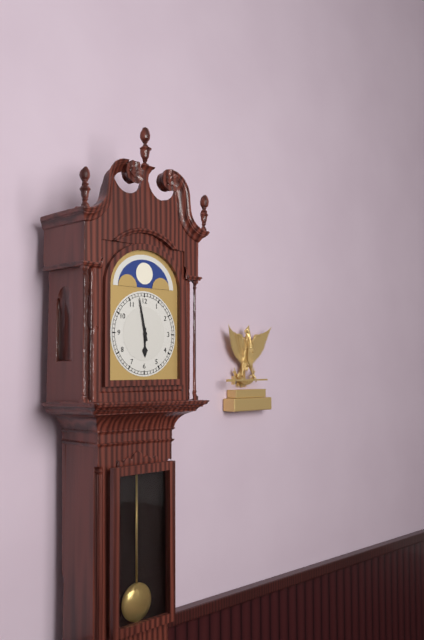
5.58
